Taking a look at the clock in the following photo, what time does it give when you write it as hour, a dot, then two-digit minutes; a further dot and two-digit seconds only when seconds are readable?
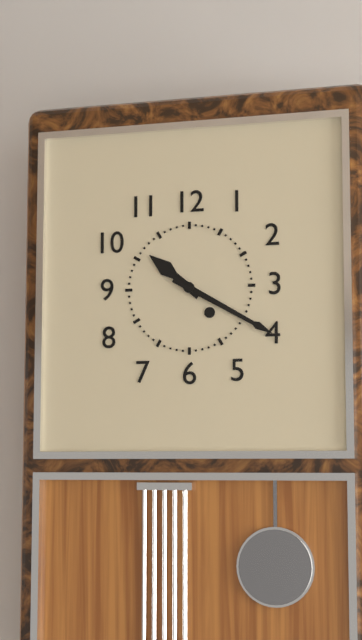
10.20
